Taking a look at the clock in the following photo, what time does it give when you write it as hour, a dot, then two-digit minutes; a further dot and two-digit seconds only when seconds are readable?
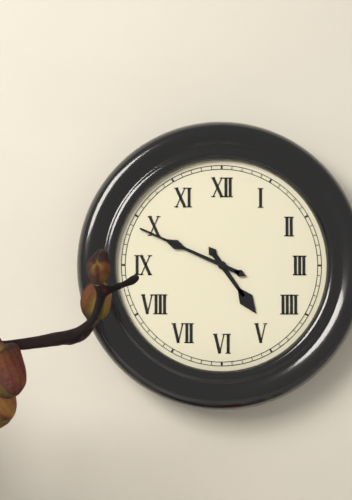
4.49
